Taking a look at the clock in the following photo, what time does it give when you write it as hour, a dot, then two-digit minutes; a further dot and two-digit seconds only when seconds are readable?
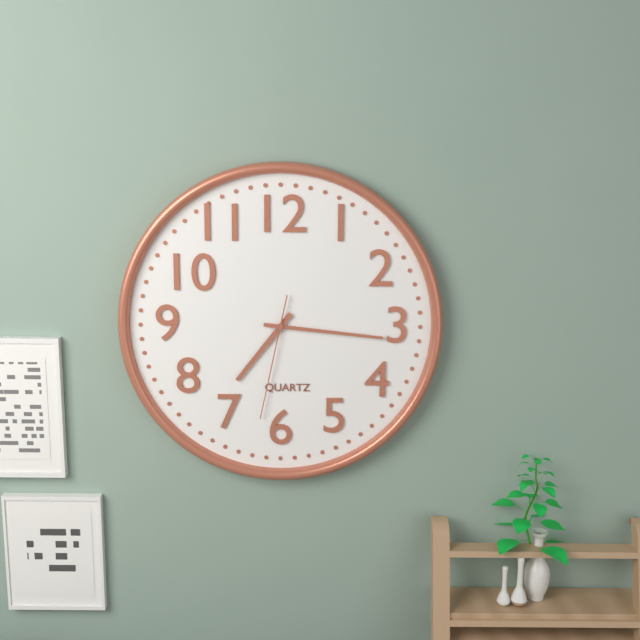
7.16.32
